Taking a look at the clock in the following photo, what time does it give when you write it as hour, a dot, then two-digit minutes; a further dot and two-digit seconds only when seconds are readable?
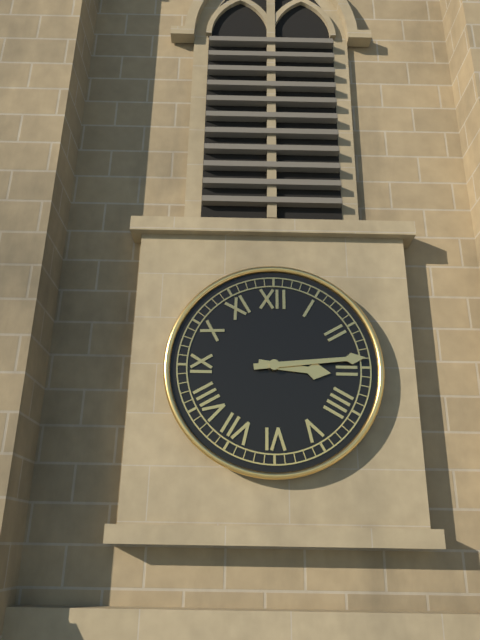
3.14
